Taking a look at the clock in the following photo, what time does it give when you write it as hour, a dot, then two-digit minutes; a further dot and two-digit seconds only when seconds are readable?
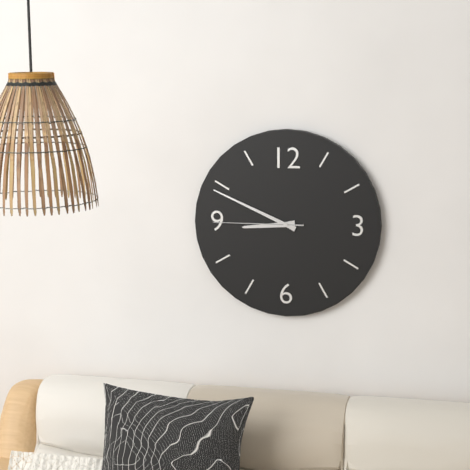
8.49.45
